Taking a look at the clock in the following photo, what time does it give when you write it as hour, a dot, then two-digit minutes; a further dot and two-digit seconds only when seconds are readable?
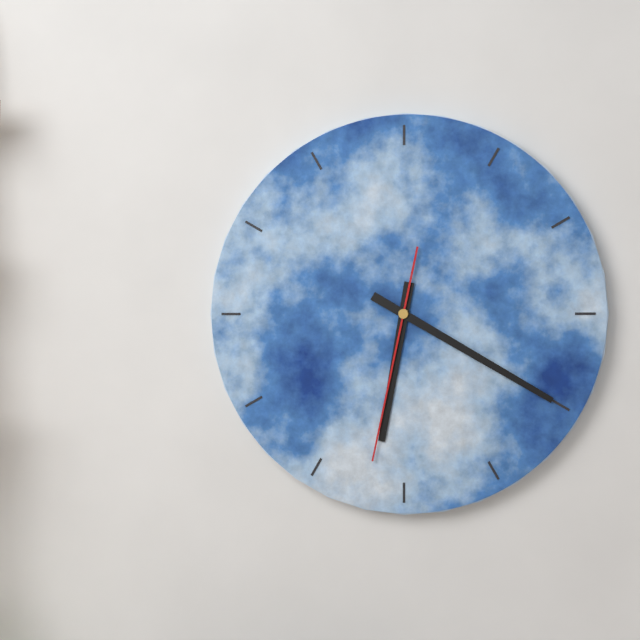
6.20.32
